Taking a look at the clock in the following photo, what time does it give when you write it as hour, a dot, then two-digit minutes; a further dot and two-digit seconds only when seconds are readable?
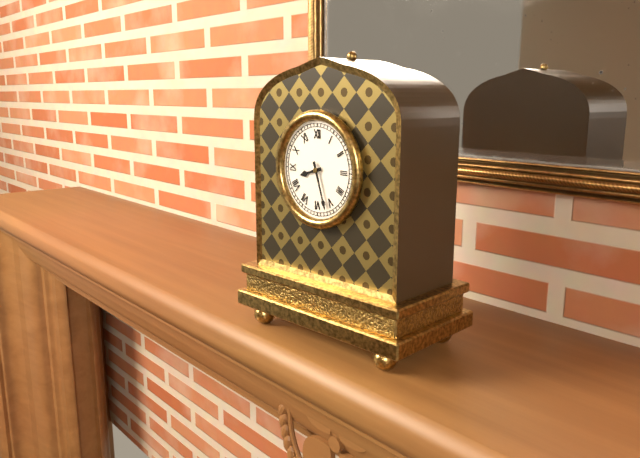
8.27
